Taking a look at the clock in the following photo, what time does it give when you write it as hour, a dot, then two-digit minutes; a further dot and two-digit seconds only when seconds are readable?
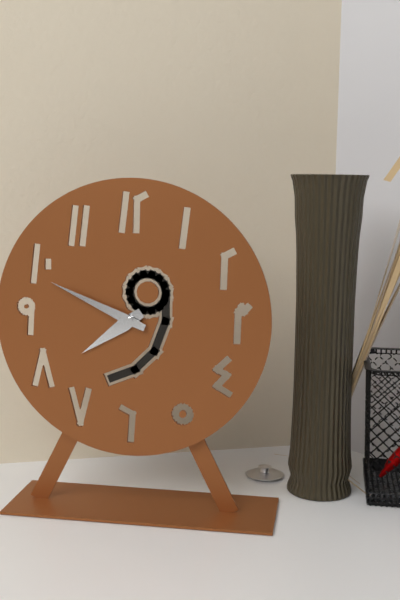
7.49
